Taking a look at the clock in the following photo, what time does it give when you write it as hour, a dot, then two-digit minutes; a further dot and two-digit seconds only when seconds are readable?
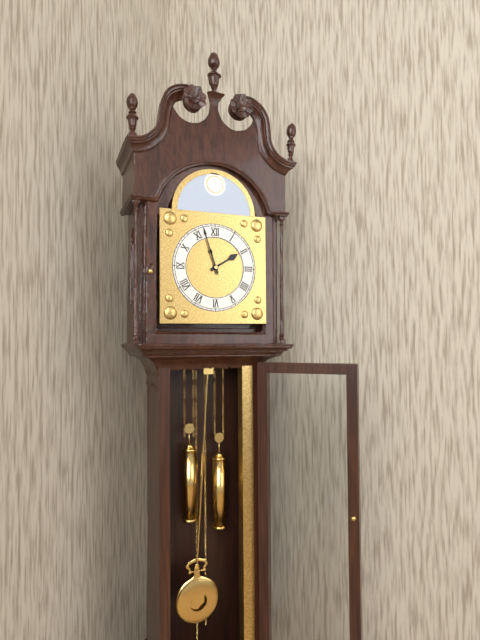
1.57
